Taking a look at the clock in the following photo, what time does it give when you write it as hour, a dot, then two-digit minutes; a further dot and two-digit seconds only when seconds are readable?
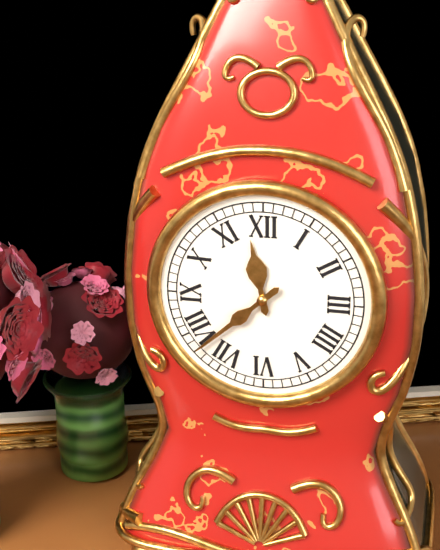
11.38
